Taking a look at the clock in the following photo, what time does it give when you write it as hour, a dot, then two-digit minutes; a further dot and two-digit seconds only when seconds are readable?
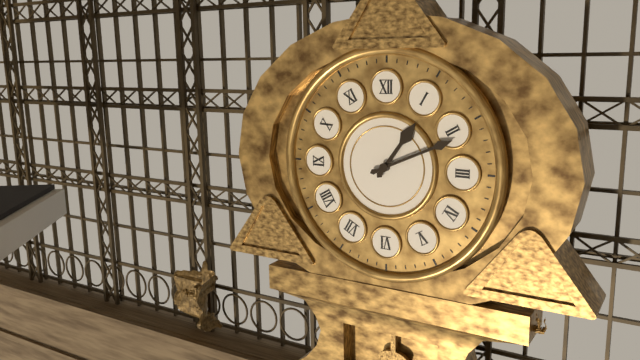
1.11
